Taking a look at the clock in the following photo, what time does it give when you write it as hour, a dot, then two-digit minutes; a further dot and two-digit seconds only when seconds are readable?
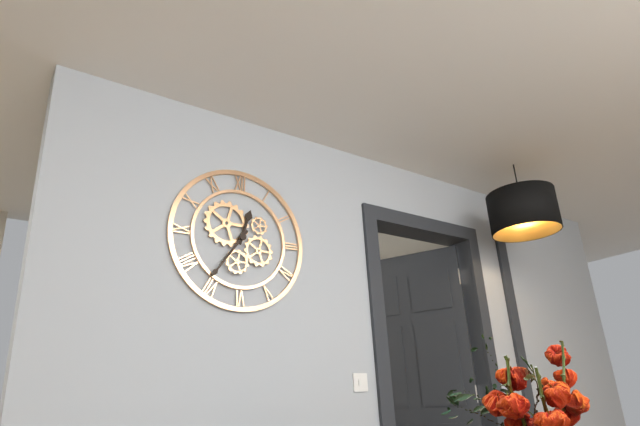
12.36
